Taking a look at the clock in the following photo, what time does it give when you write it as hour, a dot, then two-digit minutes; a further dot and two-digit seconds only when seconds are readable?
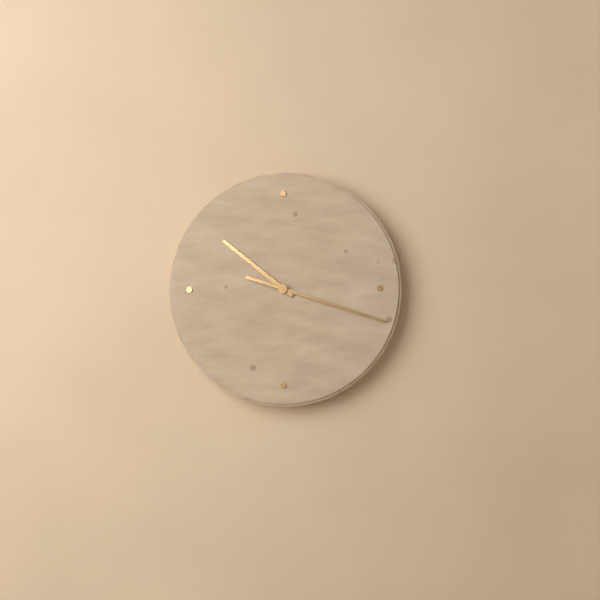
10.18
